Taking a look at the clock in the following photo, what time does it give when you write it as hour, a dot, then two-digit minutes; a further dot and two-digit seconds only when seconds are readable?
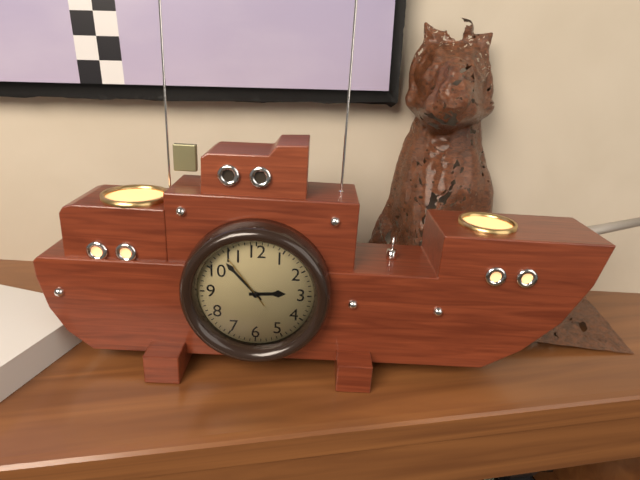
2.53.54
